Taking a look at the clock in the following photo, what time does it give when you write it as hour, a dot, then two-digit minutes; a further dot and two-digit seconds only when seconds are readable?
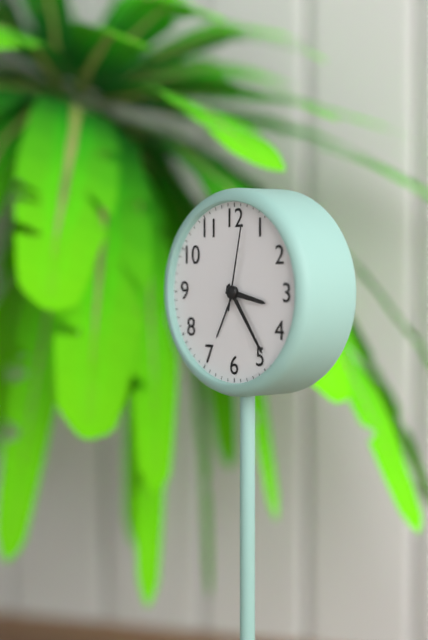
3.24.02
